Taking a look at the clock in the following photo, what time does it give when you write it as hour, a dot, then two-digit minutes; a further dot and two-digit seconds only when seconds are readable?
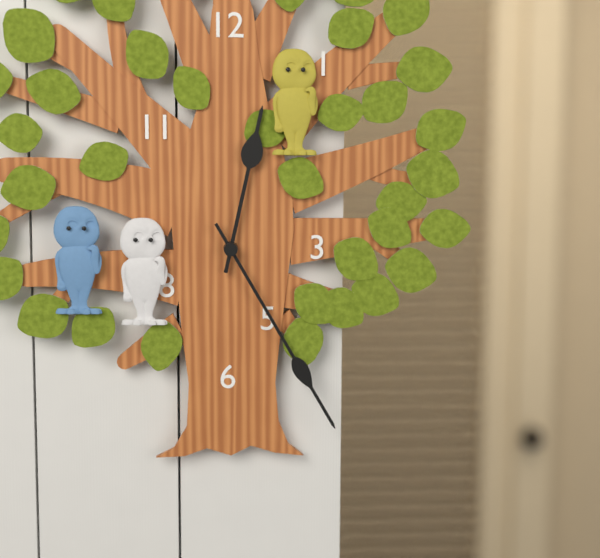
12.25
